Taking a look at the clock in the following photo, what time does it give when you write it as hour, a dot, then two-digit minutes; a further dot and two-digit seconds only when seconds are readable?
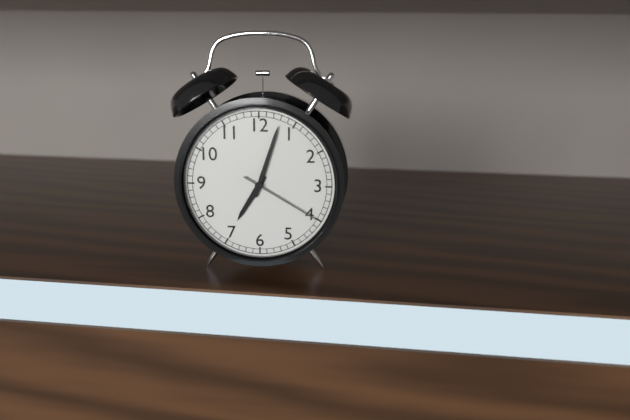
7.03.20
